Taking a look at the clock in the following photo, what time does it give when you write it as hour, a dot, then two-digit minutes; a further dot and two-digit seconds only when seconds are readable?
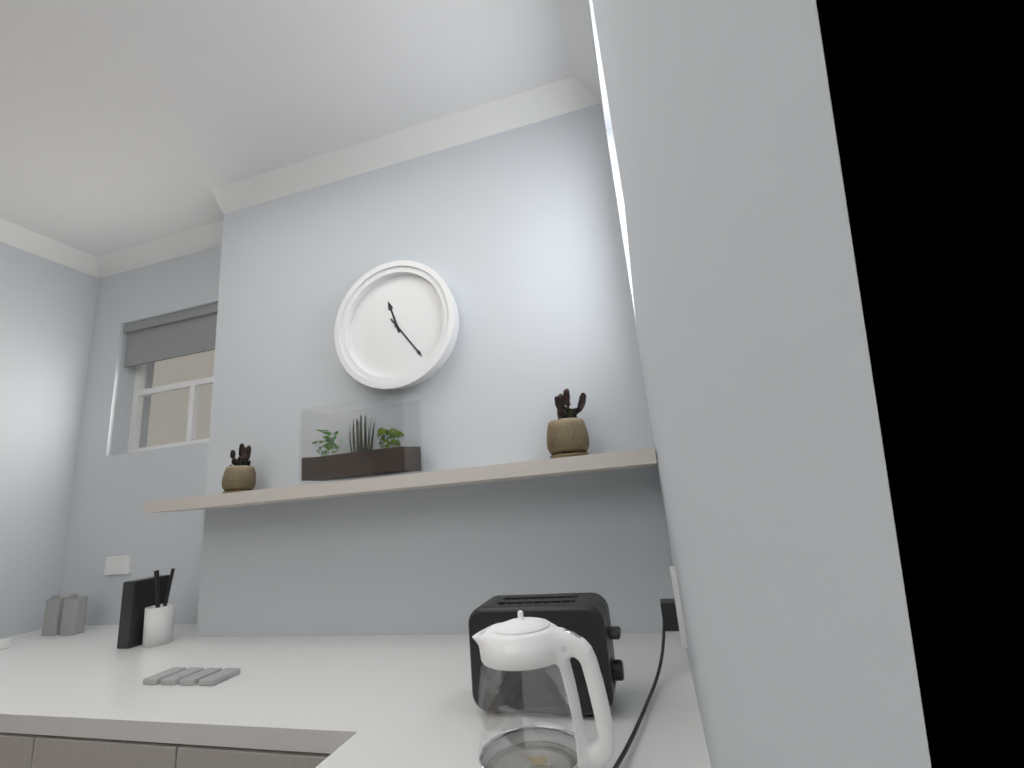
11.24
